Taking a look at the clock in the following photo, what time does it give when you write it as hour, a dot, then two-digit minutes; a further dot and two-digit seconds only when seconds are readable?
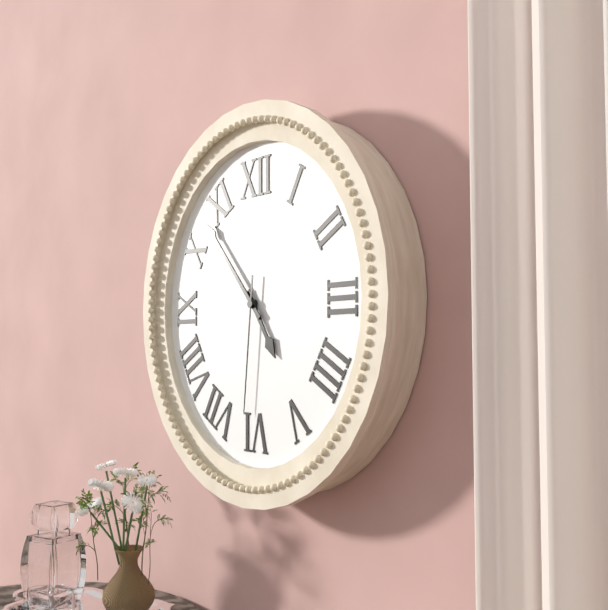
4.53.31
